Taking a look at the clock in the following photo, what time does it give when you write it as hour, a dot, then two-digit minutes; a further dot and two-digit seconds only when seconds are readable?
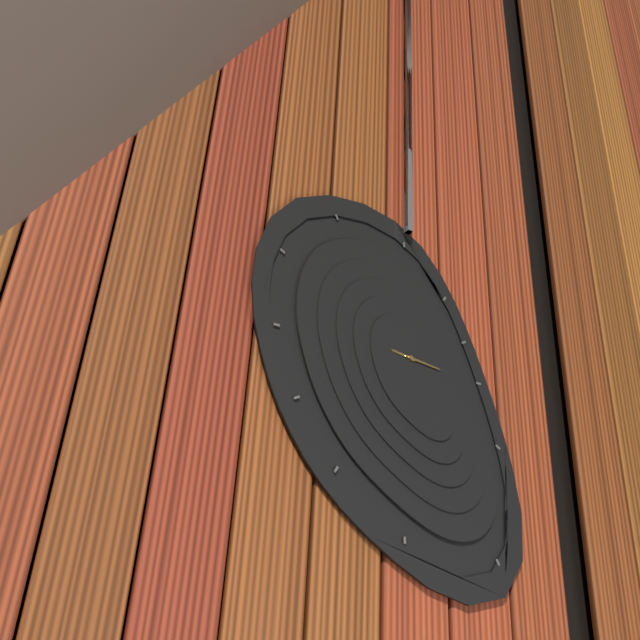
9.16
